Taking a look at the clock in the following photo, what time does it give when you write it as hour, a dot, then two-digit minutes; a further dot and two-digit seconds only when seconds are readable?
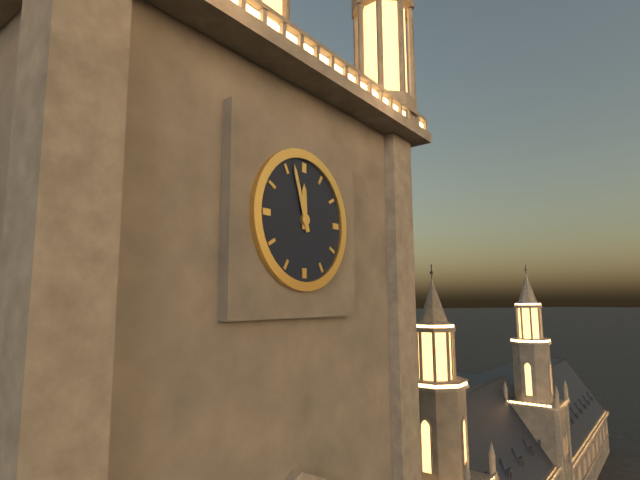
11.57
